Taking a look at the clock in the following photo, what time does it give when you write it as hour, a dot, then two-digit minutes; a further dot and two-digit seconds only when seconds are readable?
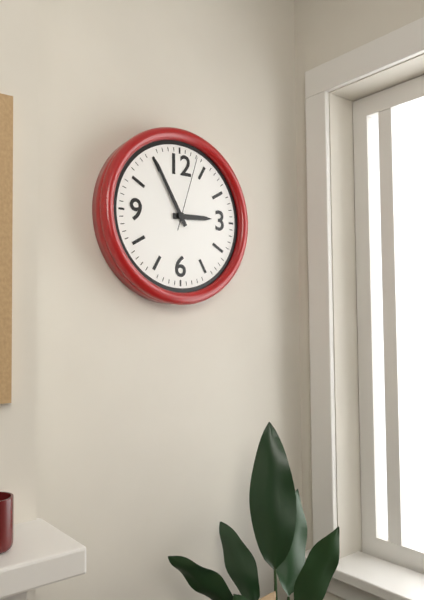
2.55.03
